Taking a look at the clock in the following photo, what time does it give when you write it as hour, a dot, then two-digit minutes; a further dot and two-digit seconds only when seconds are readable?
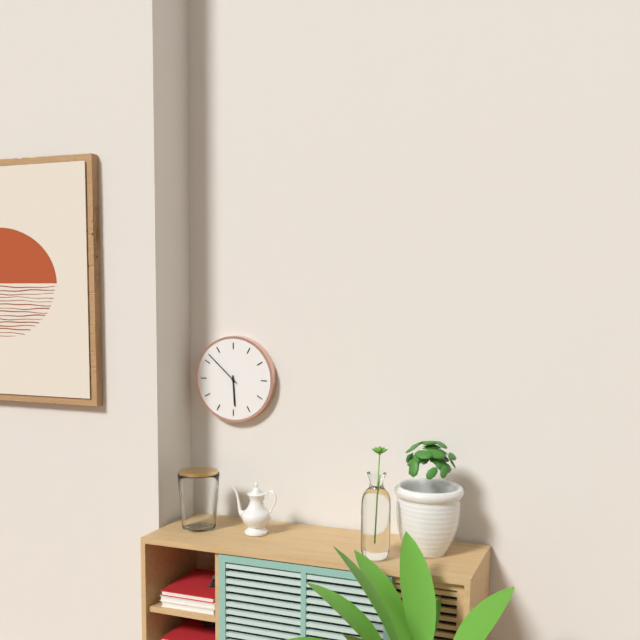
5.52
